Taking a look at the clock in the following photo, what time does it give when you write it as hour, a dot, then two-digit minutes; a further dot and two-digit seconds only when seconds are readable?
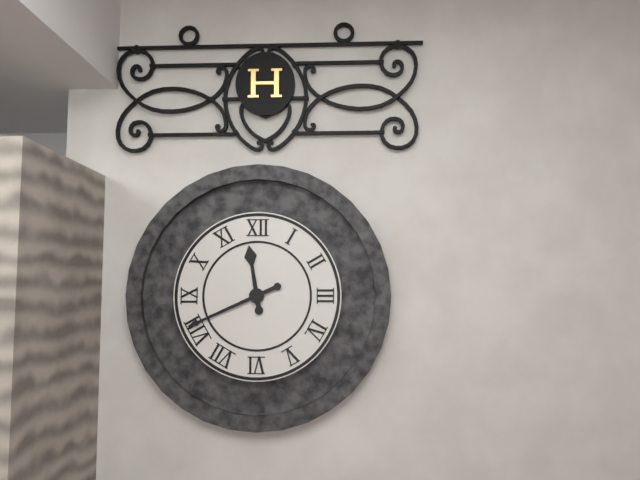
11.41
